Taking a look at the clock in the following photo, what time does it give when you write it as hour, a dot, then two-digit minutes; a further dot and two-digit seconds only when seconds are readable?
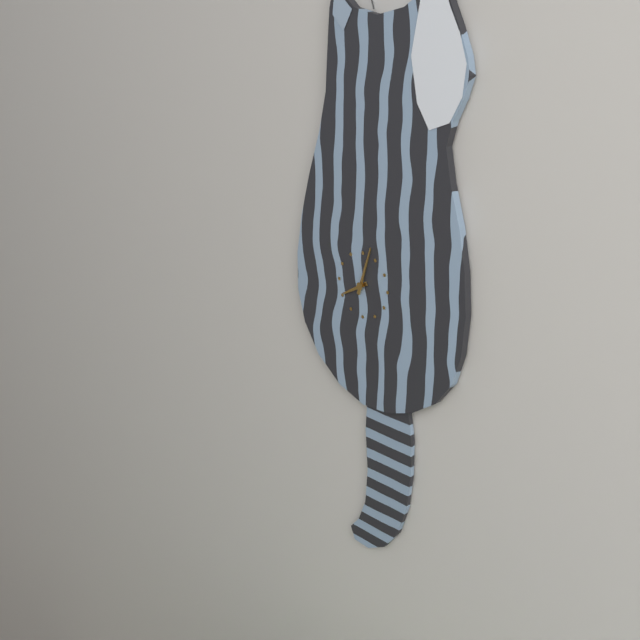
8.03
